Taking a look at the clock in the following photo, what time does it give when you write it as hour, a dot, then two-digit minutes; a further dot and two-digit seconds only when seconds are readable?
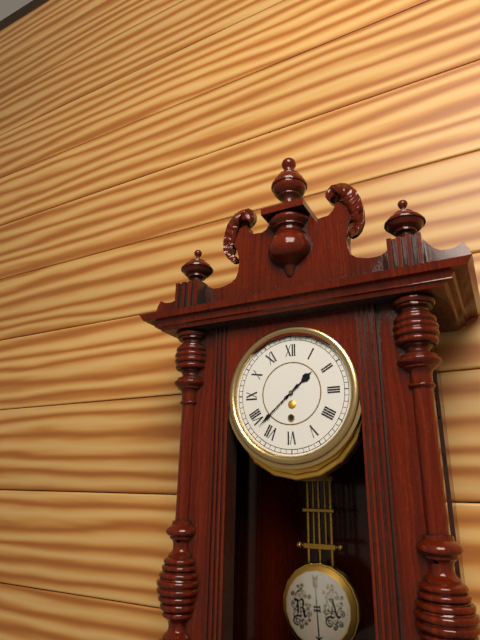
1.38
